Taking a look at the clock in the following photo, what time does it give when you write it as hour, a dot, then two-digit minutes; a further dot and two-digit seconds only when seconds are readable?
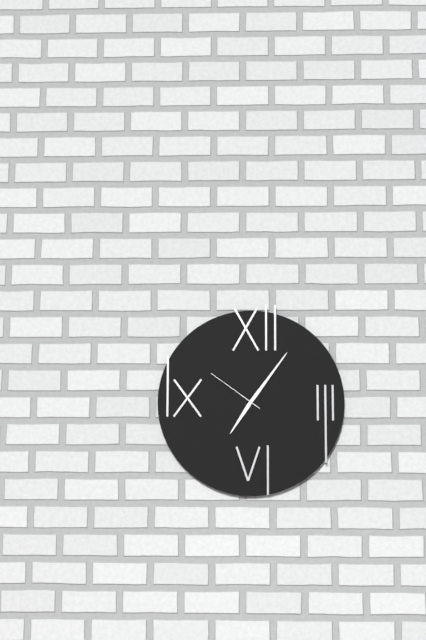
7.06.51
